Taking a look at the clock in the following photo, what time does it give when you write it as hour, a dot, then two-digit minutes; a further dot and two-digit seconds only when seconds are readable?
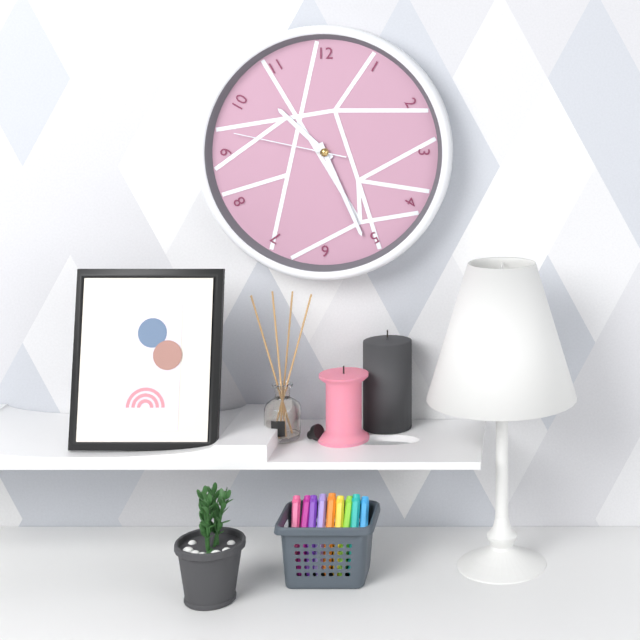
10.26.47
